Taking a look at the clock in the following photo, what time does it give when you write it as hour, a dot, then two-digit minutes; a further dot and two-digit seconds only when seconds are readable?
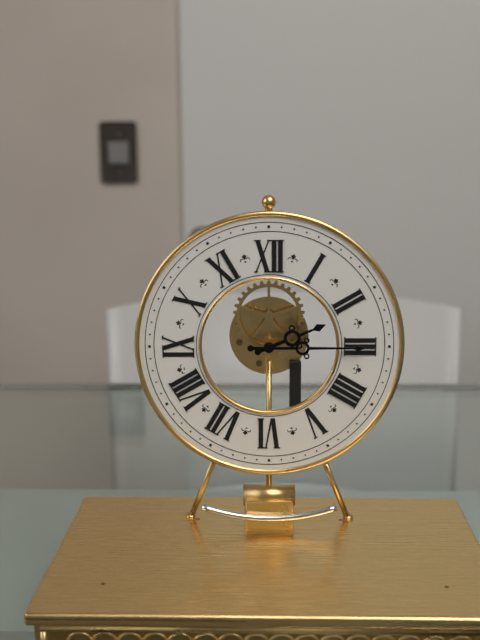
2.15
